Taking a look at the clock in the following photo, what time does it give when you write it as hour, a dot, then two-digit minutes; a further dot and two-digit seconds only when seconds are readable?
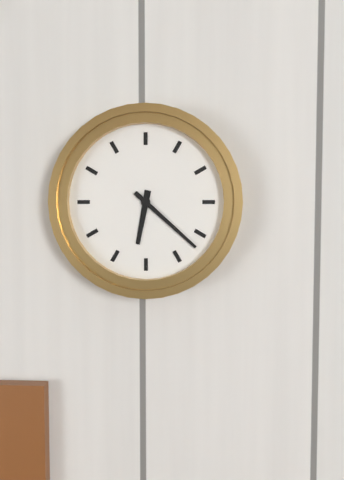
6.22
